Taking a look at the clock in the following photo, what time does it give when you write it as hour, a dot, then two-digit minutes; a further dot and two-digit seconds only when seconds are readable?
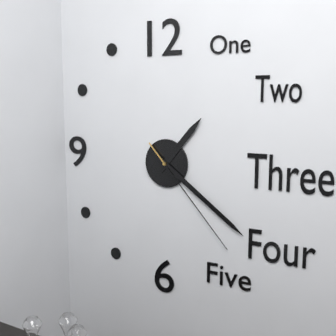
1.21.23
